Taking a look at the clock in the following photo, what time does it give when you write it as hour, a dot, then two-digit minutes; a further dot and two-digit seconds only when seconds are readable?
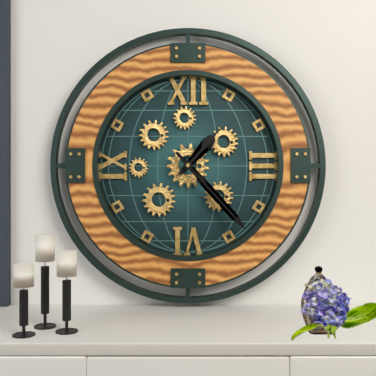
1.23
